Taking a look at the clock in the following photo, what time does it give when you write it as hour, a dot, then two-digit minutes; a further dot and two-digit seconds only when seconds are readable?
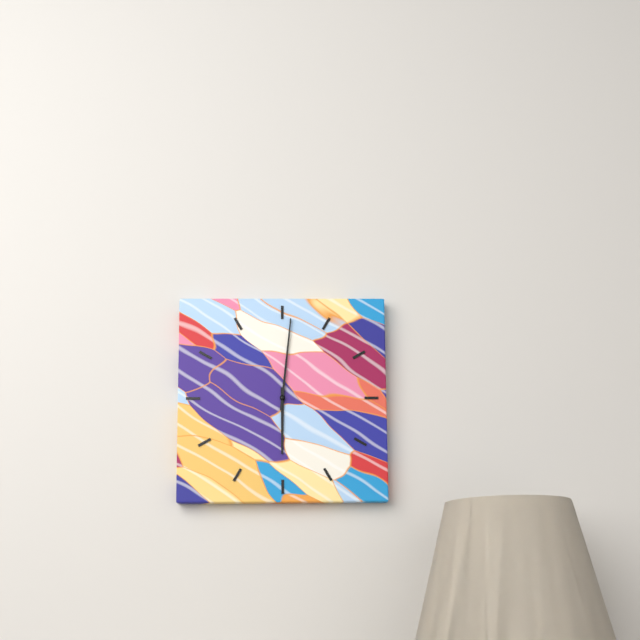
6.01
